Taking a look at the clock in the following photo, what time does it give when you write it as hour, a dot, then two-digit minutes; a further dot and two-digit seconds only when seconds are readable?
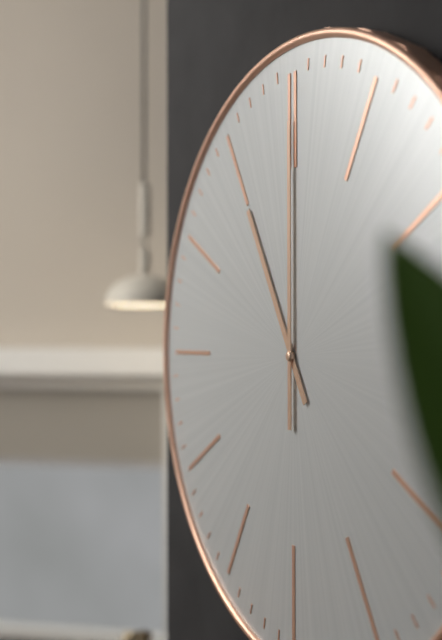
11.00
